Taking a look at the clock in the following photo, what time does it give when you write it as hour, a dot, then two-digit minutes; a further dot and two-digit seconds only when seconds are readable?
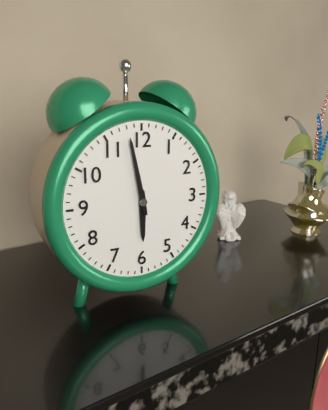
5.58
